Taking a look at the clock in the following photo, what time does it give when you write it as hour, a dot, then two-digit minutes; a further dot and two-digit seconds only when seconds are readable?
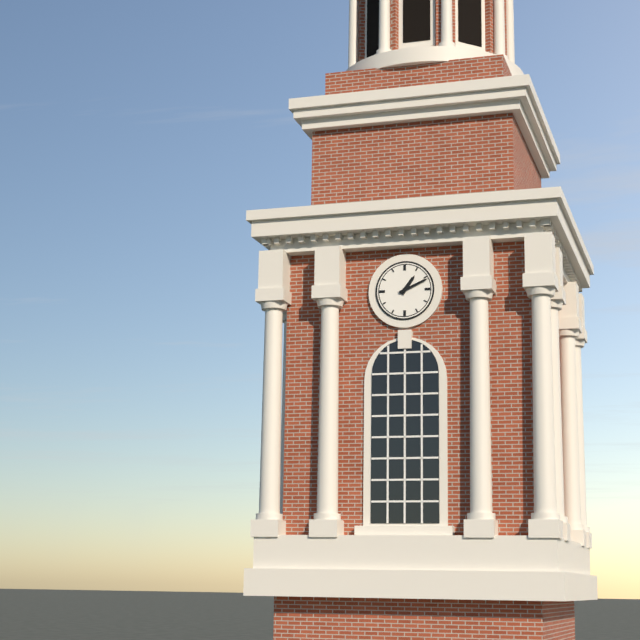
1.11
